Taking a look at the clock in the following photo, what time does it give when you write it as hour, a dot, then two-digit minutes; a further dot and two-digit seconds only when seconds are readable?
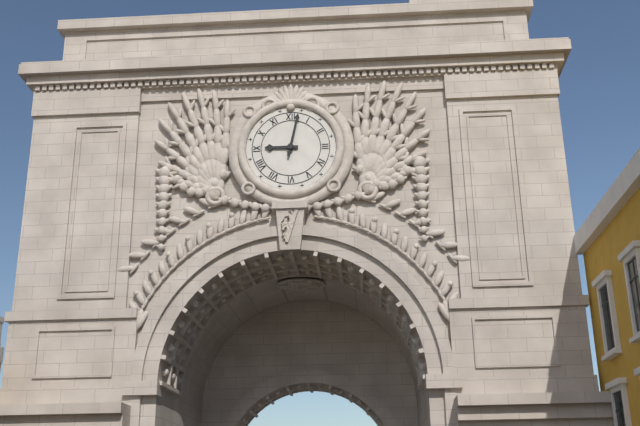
9.02
